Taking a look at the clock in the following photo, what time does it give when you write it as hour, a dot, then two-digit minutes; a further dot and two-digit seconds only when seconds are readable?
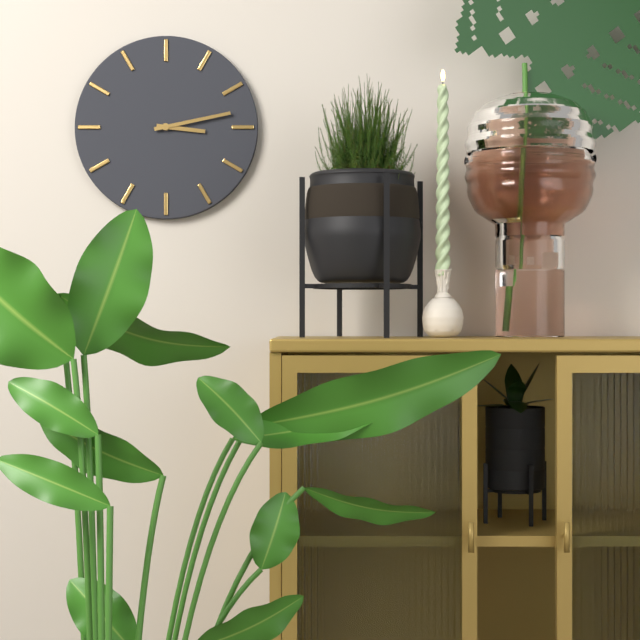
3.13
